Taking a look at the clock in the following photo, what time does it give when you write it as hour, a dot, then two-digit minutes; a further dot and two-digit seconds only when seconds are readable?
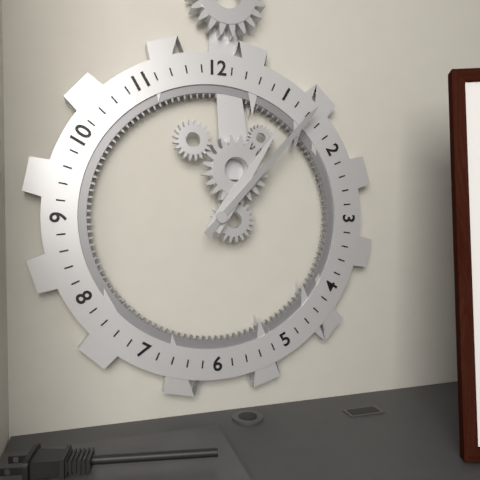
1.07
